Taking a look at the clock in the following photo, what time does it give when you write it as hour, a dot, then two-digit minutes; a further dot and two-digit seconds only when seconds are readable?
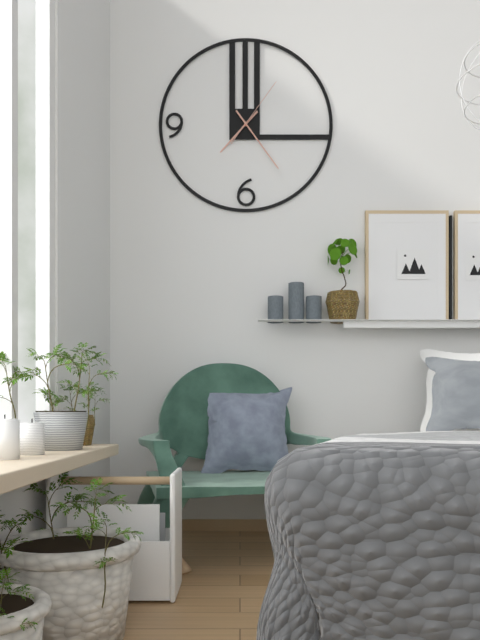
7.24.06
